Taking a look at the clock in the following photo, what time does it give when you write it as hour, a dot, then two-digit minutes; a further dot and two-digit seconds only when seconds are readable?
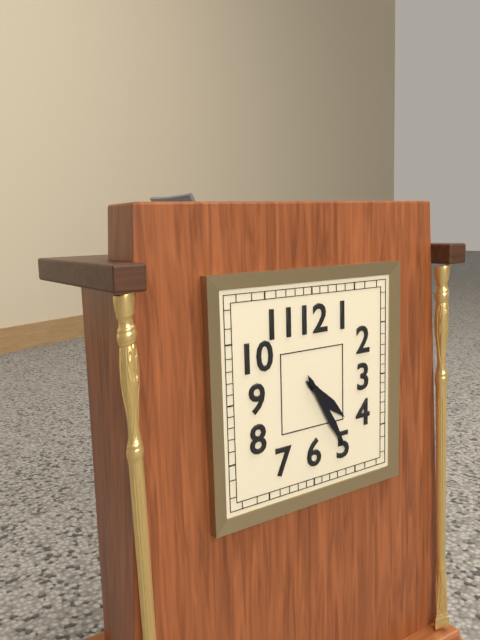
4.25
